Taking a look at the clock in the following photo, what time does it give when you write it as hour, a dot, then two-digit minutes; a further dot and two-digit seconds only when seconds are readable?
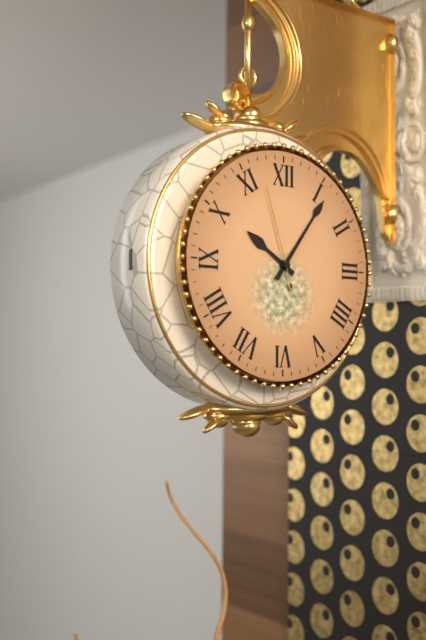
10.06.57
